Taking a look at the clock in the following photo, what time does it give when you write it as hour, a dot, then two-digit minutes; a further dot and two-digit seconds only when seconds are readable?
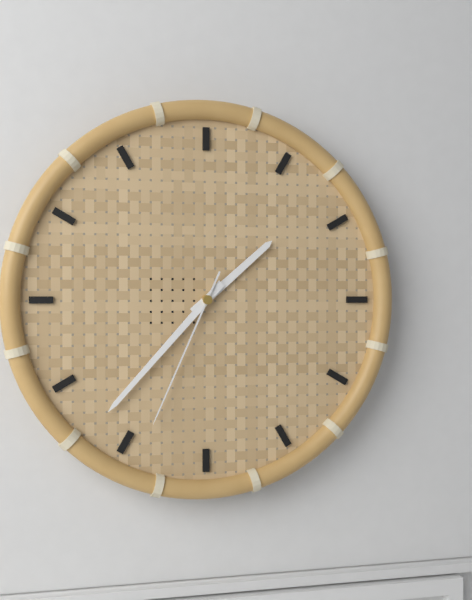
1.37.34
